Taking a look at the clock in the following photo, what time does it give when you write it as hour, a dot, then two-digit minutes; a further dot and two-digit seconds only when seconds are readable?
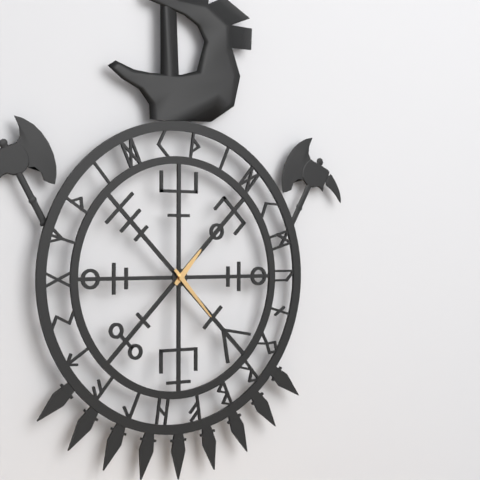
1.23
